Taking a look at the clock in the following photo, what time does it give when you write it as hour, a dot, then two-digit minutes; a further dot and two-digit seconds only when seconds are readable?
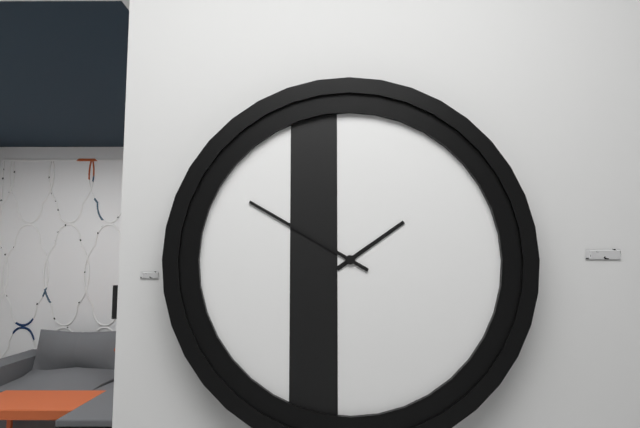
1.50
